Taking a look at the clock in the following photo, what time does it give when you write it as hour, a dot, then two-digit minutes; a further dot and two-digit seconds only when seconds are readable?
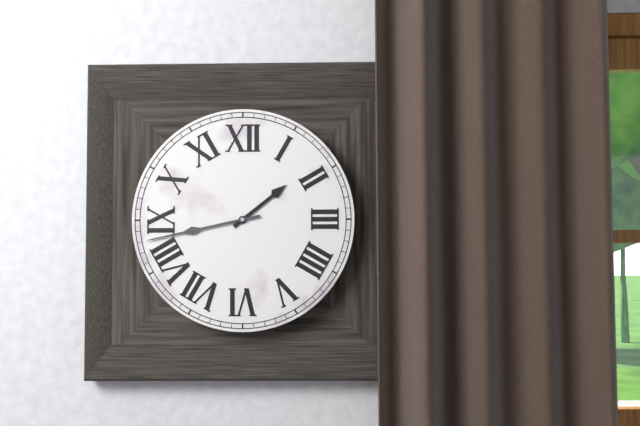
1.43
